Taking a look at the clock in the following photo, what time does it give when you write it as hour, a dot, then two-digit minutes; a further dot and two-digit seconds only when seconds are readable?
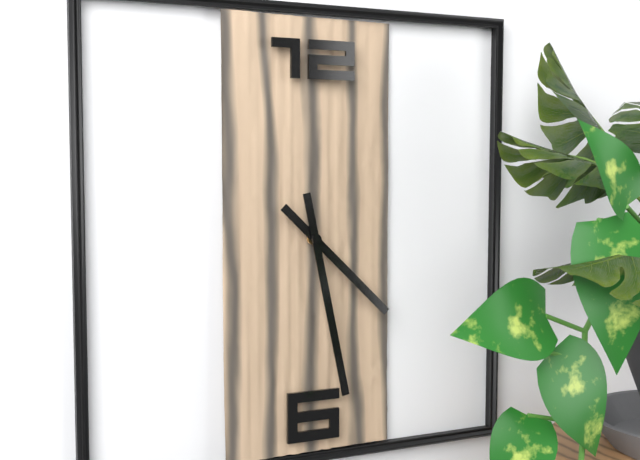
4.28
